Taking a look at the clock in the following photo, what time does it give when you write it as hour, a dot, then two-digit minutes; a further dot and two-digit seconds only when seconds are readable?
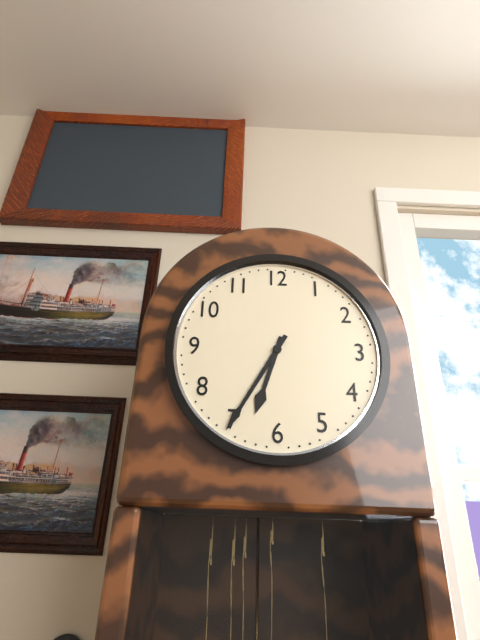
6.35
